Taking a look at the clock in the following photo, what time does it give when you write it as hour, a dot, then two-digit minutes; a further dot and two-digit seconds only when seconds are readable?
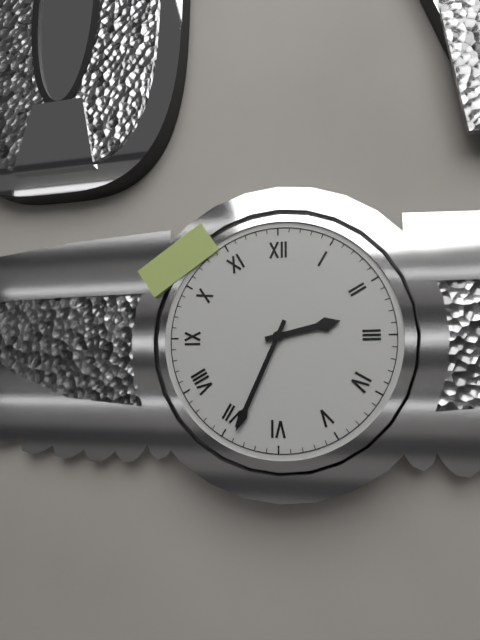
2.34
